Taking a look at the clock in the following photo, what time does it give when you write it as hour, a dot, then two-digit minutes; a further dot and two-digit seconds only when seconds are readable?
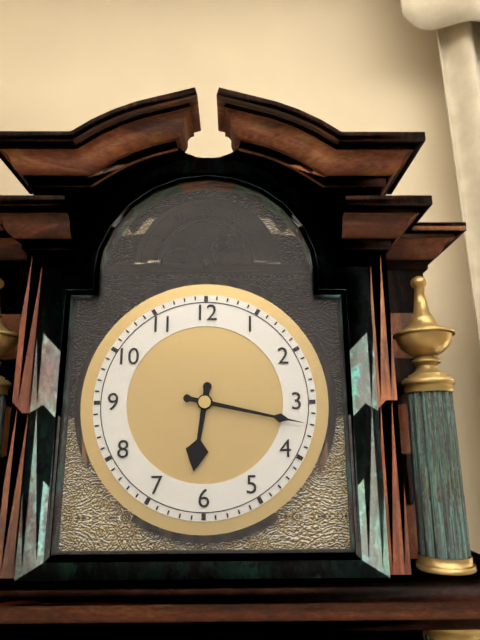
6.17
